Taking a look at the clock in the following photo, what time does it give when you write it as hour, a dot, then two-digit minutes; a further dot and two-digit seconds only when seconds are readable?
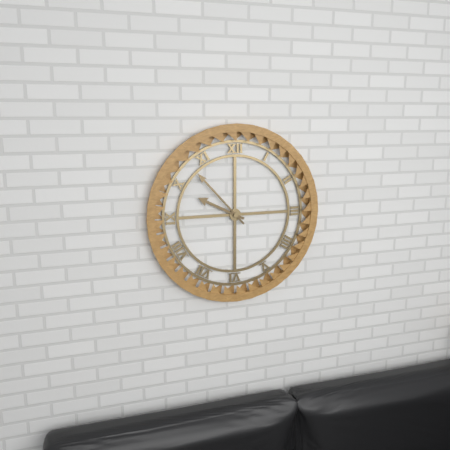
9.53
